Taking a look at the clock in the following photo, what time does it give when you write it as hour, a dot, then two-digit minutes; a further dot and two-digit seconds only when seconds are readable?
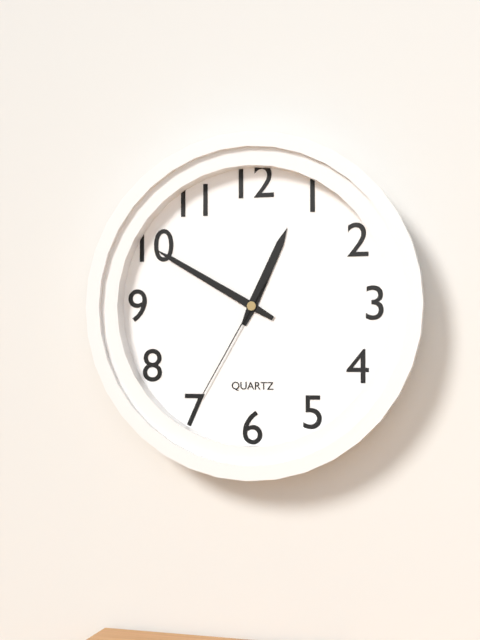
12.50.35
